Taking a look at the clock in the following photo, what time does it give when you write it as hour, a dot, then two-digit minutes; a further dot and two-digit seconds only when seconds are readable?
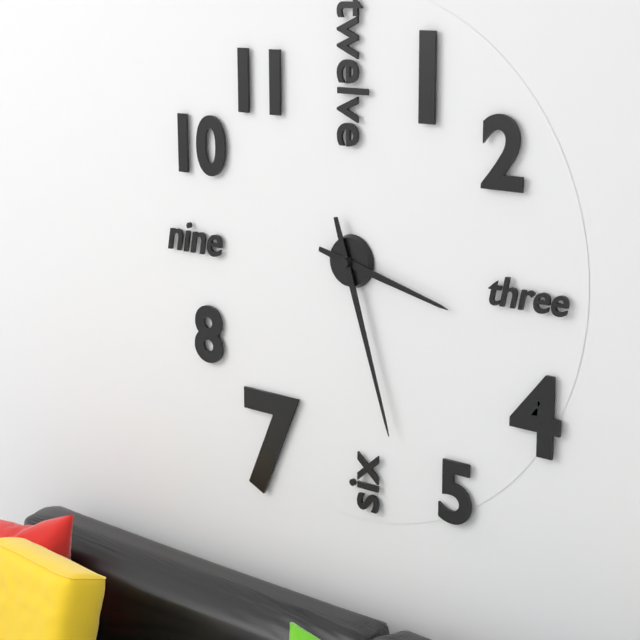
3.27
